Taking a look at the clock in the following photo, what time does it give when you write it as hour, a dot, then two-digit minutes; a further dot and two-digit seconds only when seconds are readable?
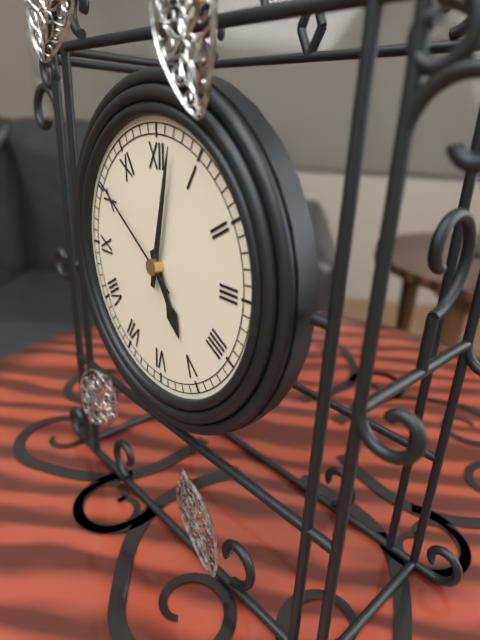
5.02.51
